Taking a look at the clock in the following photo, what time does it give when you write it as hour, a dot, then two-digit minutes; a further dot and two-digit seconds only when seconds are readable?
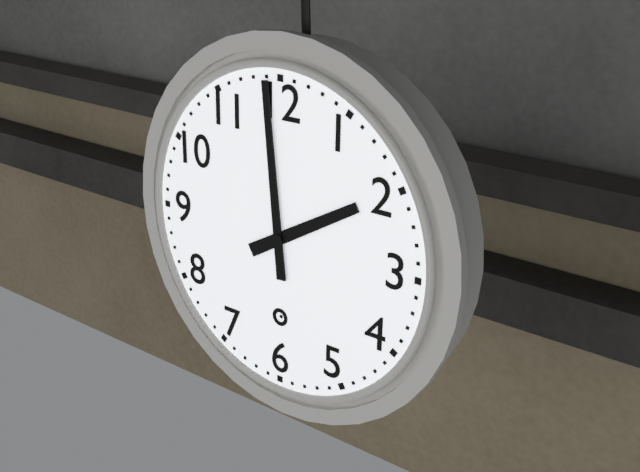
1.59
